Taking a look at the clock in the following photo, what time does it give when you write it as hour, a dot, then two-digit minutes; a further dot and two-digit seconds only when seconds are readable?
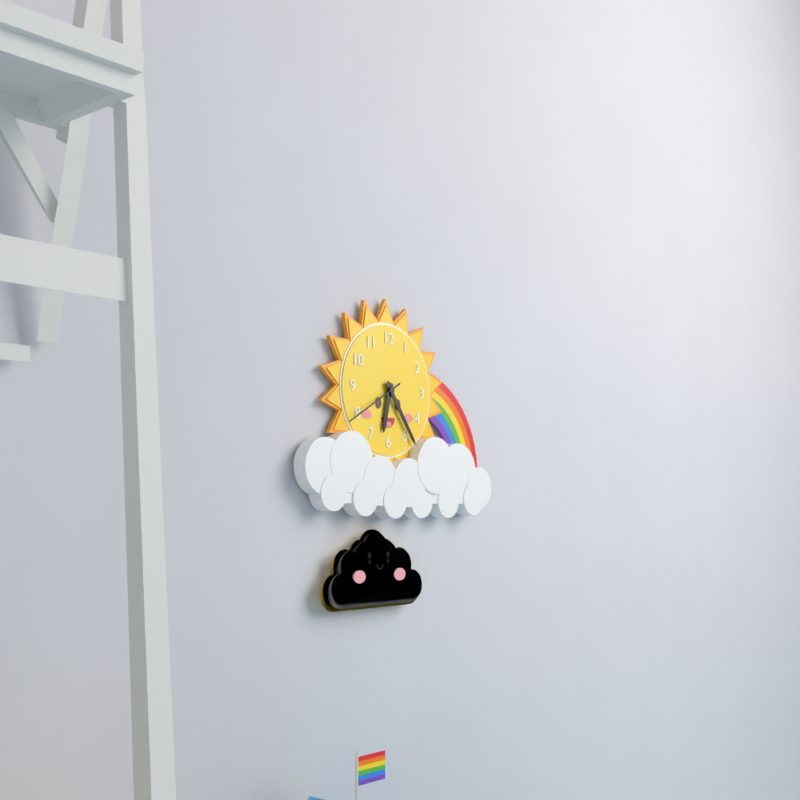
6.24.40
